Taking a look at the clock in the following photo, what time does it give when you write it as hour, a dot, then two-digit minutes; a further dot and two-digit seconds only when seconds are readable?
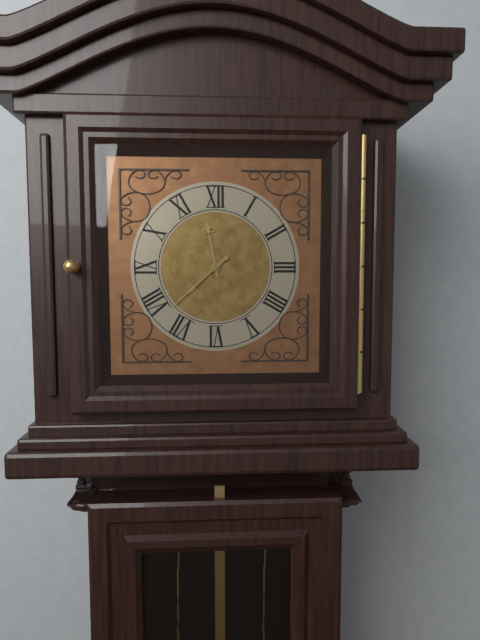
11.38
